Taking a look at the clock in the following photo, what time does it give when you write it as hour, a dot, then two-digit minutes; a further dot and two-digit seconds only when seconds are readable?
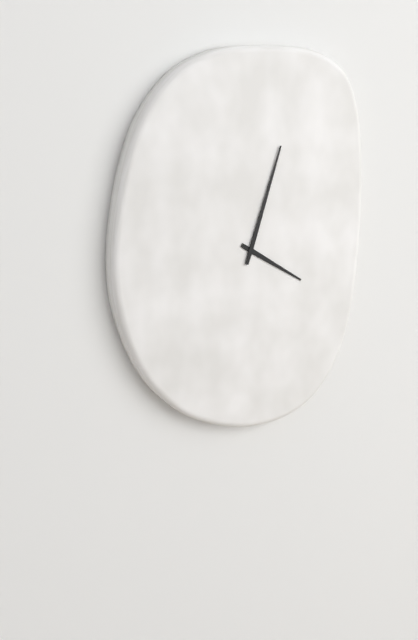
4.03
